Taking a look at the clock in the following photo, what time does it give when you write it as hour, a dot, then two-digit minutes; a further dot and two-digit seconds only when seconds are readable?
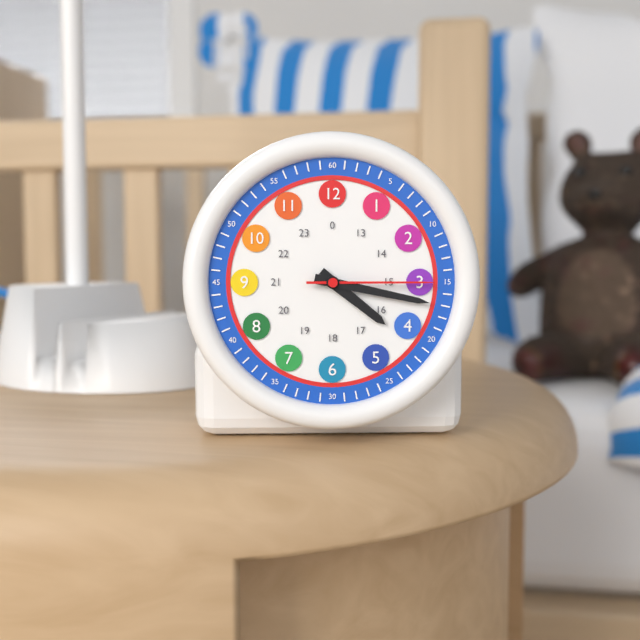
4.17.15
